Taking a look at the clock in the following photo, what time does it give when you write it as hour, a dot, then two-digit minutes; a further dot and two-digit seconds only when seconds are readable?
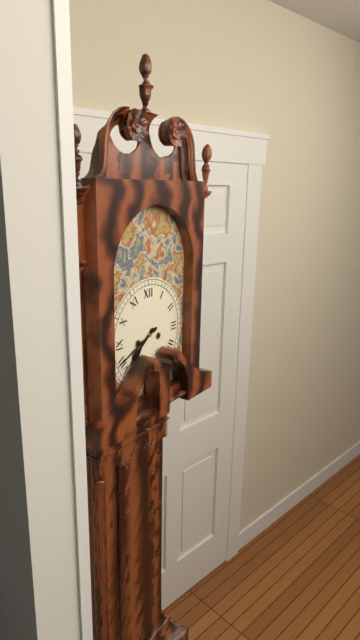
7.41
